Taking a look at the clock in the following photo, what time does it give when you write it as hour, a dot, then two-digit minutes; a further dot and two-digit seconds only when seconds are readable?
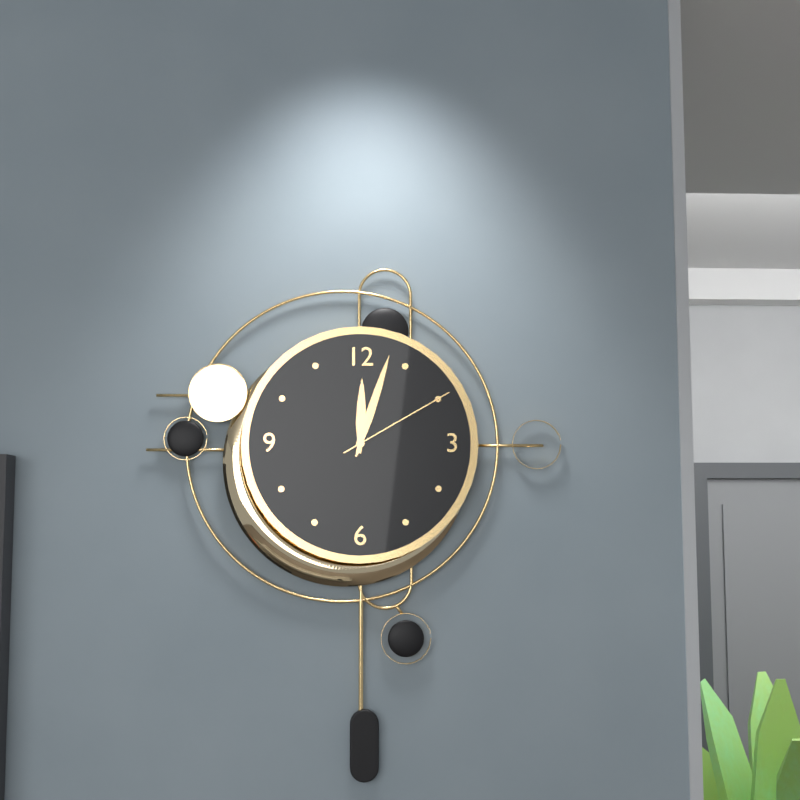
12.03.10
